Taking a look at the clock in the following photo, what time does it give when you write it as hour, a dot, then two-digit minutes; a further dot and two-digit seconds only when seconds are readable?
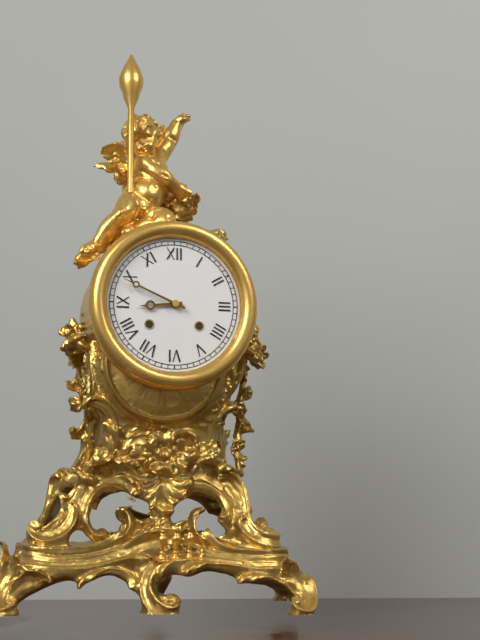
8.49
